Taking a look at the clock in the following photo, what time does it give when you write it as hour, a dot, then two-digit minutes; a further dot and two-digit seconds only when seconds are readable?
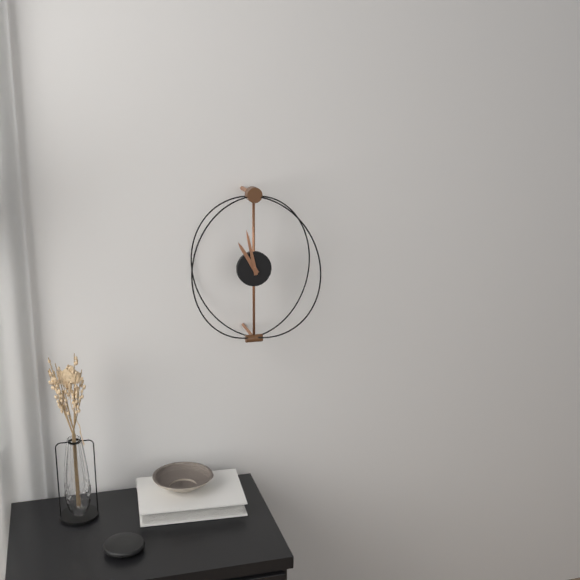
10.58
